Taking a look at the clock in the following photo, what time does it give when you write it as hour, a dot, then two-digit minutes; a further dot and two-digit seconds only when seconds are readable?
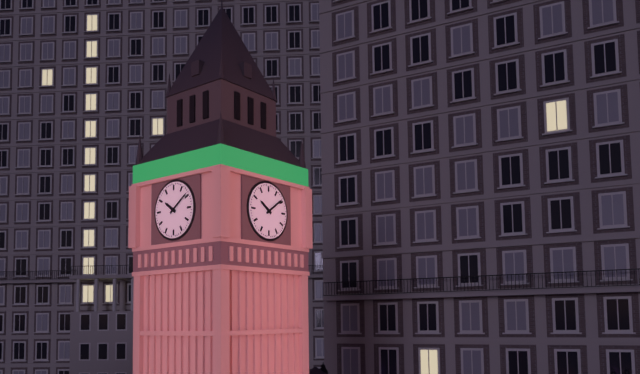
10.09
